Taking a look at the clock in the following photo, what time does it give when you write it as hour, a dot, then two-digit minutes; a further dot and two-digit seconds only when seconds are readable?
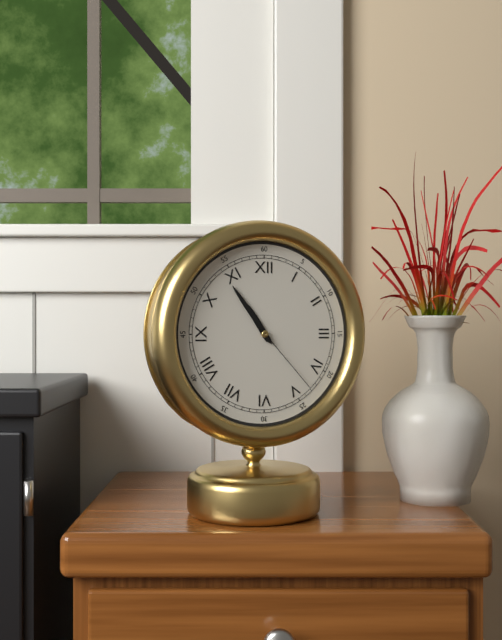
10.54.23
